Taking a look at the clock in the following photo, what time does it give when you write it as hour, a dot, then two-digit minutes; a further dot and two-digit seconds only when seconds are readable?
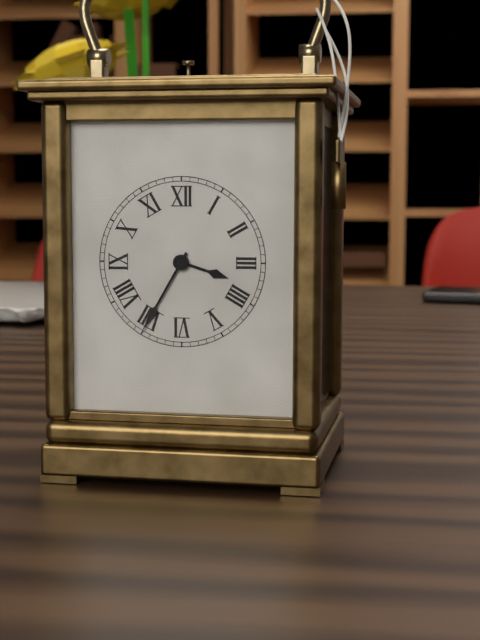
3.35
